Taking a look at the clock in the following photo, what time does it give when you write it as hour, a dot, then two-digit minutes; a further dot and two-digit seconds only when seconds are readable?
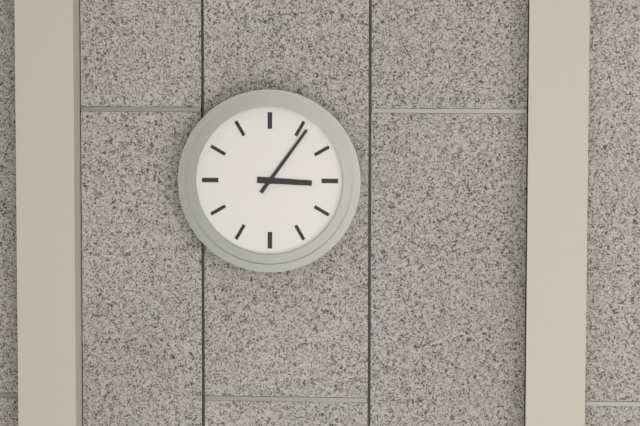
3.06
